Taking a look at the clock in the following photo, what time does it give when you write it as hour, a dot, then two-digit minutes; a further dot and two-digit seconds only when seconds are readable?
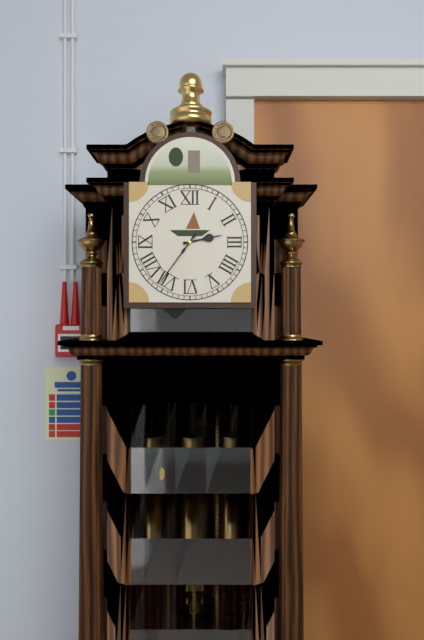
2.36
